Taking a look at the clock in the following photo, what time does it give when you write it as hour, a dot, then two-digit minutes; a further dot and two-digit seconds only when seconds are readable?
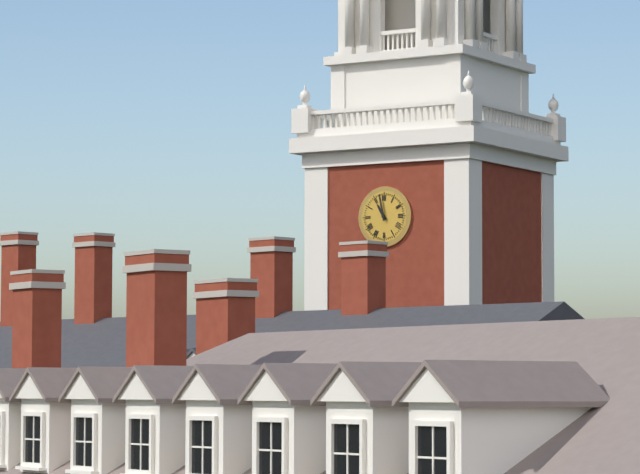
10.58
